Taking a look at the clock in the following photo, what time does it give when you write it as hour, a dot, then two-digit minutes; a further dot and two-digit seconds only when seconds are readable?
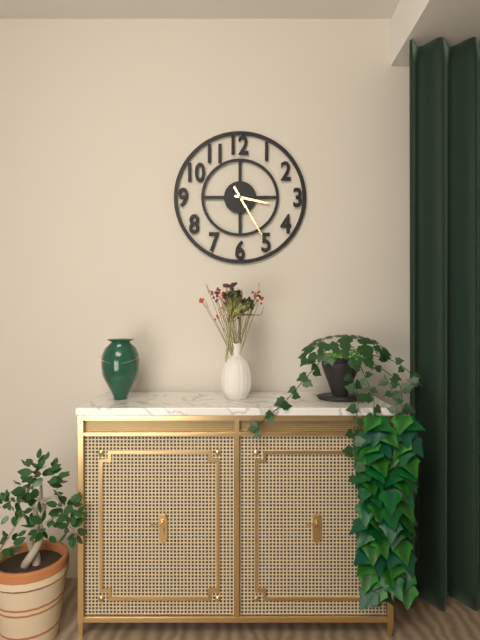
3.25
